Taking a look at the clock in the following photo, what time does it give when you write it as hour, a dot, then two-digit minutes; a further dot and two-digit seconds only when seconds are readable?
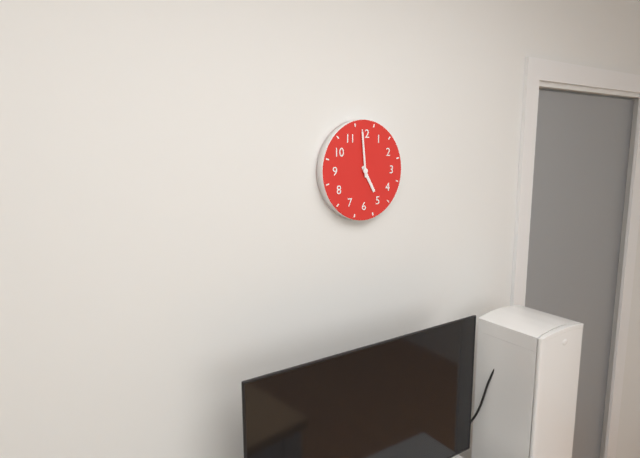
4.59
